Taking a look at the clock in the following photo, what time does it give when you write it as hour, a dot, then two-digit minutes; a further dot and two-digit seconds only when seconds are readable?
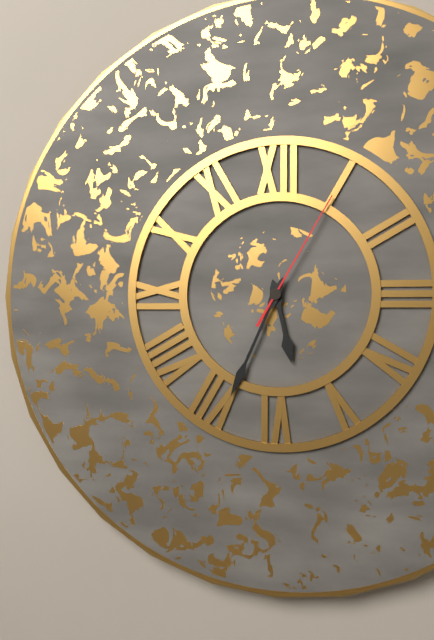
5.34.05
